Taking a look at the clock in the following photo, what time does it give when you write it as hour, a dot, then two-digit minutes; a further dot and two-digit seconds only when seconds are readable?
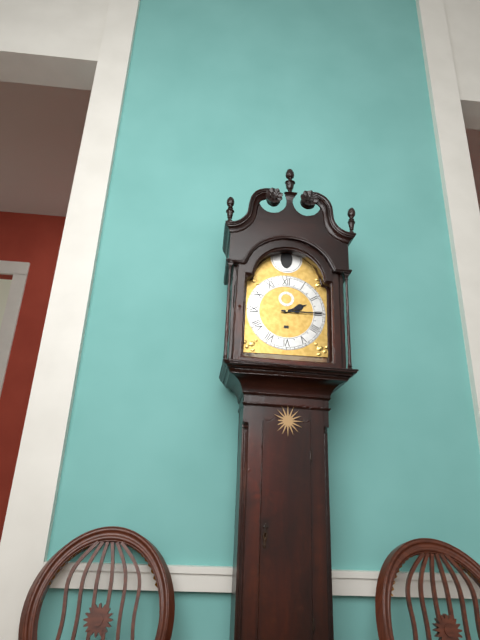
2.15
